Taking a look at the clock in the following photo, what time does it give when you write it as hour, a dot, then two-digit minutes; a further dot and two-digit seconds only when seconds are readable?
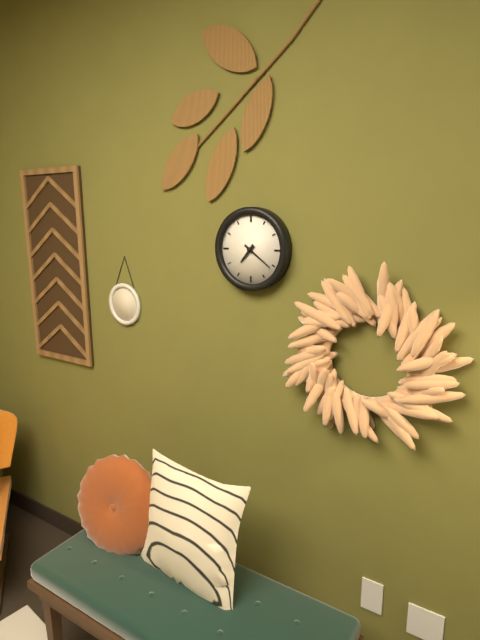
7.21
